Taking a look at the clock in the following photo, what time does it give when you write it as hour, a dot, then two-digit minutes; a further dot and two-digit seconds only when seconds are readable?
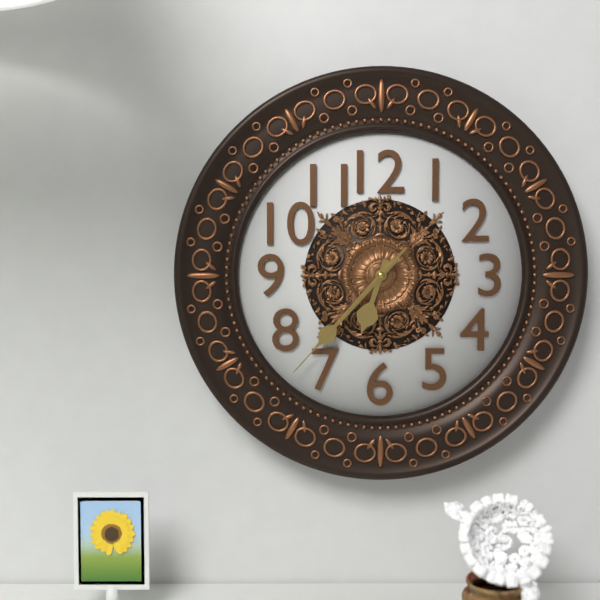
6.37.37
